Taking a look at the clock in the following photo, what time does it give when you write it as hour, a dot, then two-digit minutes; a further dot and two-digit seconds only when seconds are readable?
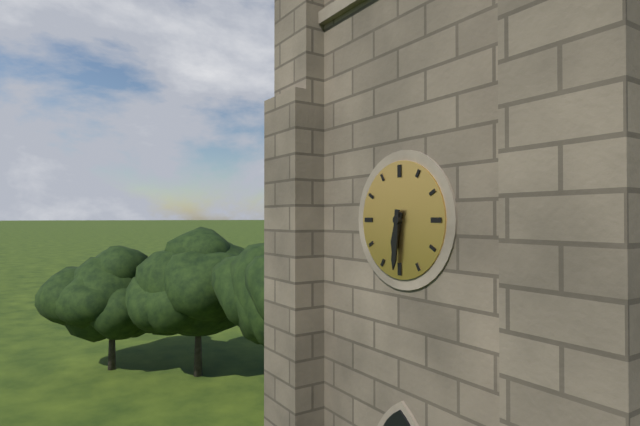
6.31
